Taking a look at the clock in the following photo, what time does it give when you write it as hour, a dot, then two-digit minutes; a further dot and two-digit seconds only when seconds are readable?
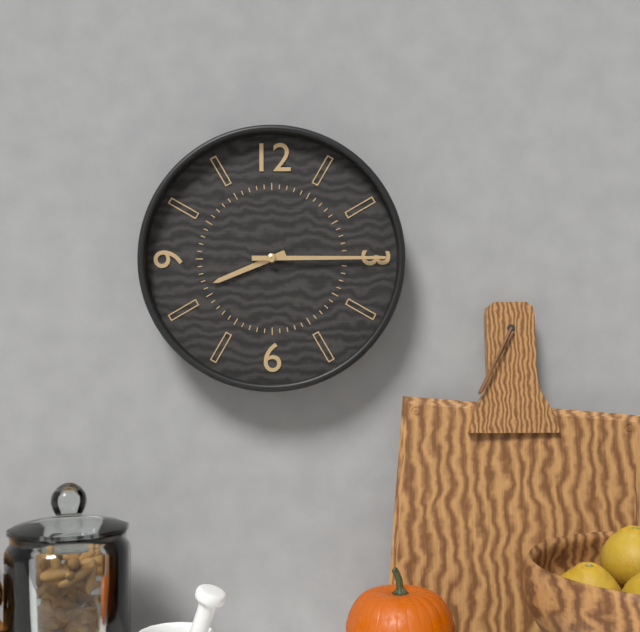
8.15
